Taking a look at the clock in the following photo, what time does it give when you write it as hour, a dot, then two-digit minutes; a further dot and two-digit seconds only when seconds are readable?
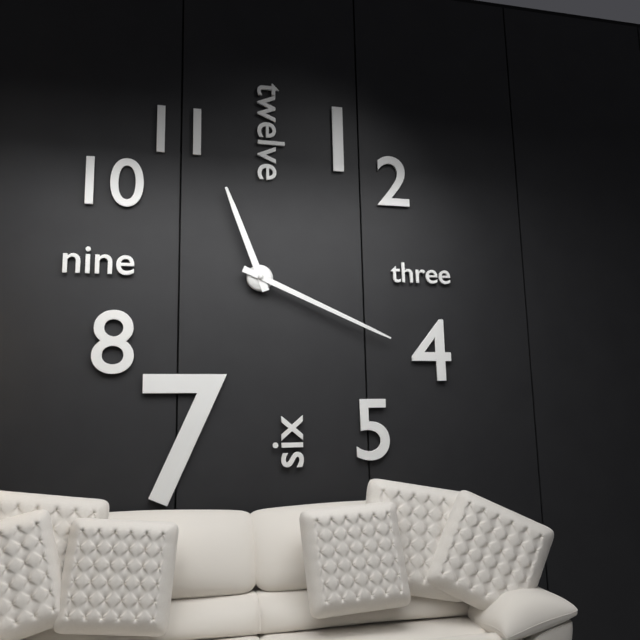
11.19
